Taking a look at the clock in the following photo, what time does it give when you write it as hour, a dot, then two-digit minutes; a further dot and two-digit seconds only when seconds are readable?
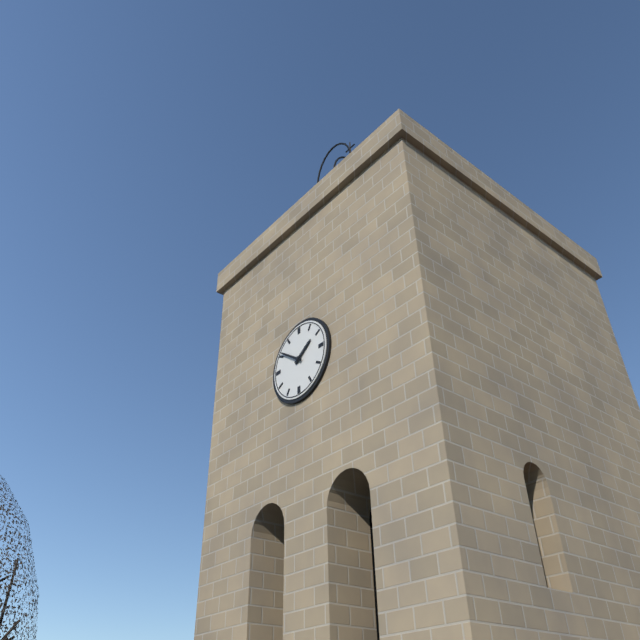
1.51
